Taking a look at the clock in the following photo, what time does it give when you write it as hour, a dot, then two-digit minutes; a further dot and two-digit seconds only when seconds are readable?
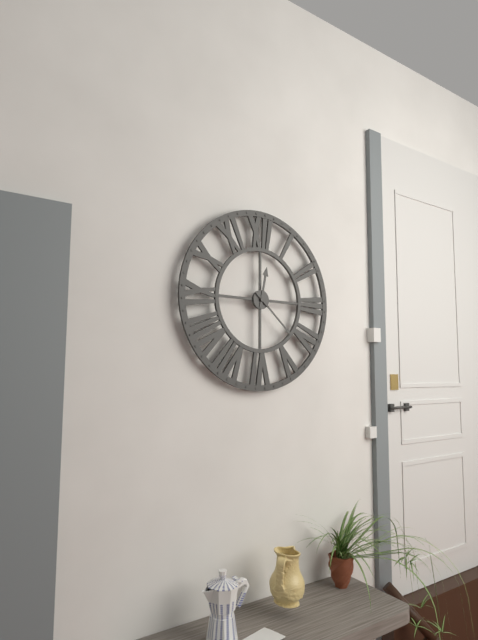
12.22
